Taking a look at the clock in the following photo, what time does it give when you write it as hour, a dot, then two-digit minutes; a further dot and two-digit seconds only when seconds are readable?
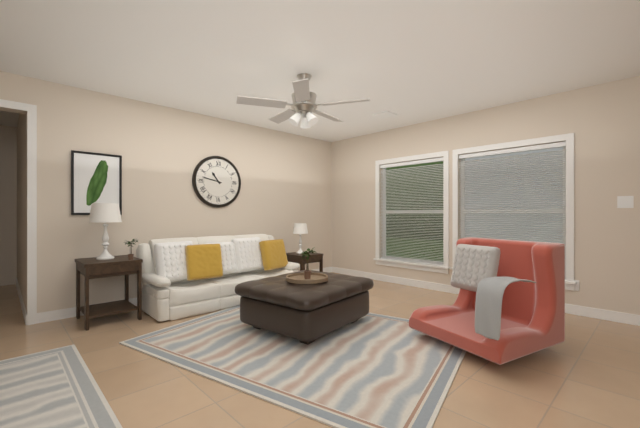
10.47
